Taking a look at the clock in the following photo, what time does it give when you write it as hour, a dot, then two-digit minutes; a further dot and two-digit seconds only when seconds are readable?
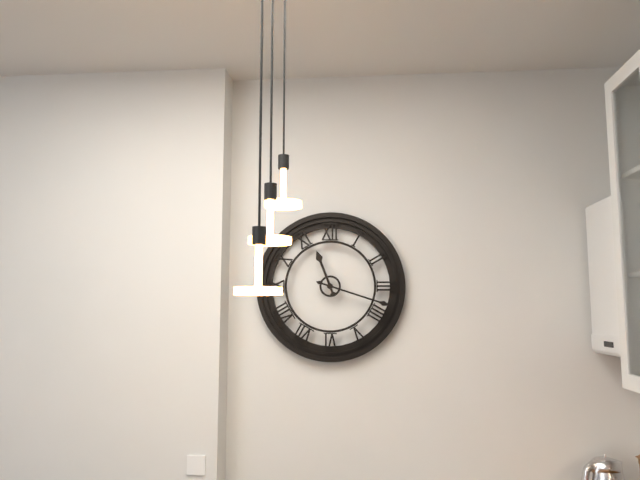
11.18
